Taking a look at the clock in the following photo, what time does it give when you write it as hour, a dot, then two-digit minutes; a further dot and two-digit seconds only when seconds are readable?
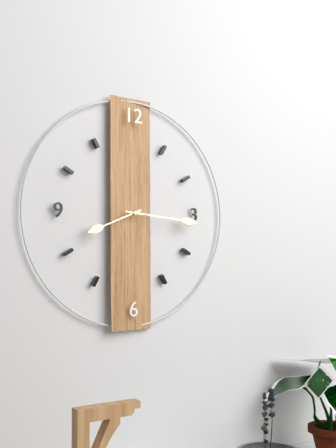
8.16
